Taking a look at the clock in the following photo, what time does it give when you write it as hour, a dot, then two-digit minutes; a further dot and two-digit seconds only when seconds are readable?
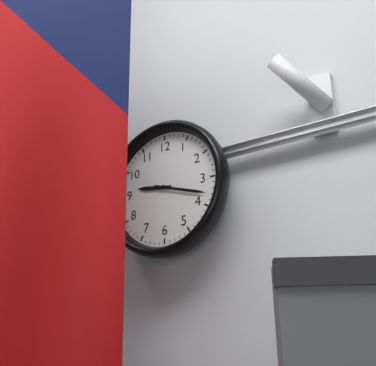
9.18
